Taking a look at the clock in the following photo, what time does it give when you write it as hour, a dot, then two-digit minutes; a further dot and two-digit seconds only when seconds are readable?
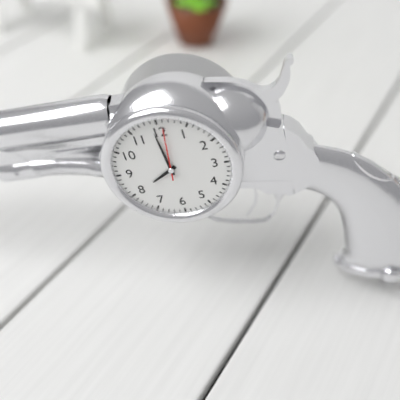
7.59.01
